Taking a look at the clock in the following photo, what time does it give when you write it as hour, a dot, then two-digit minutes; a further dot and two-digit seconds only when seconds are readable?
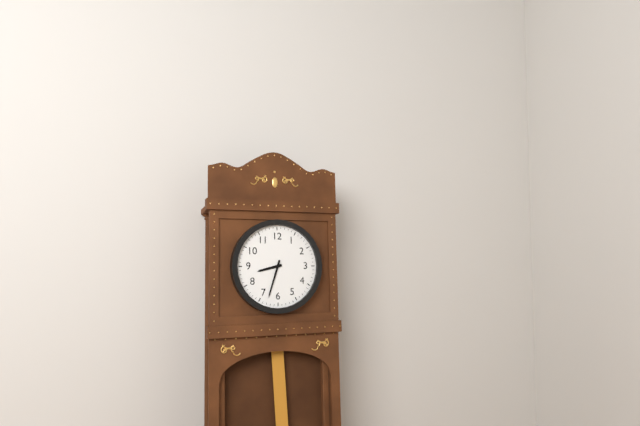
8.33
